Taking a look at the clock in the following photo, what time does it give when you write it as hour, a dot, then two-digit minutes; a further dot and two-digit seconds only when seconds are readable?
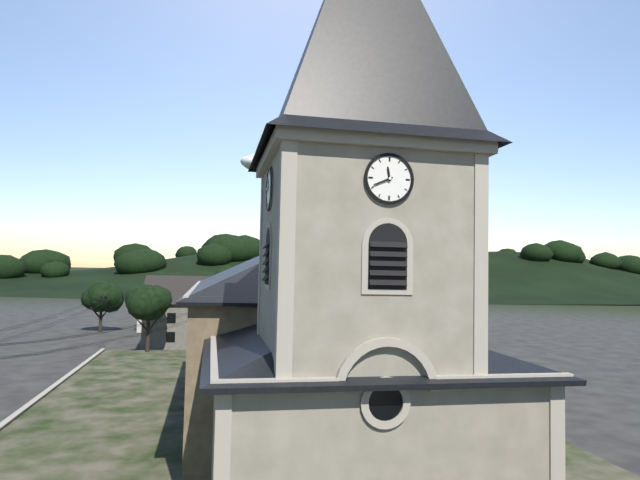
11.41
